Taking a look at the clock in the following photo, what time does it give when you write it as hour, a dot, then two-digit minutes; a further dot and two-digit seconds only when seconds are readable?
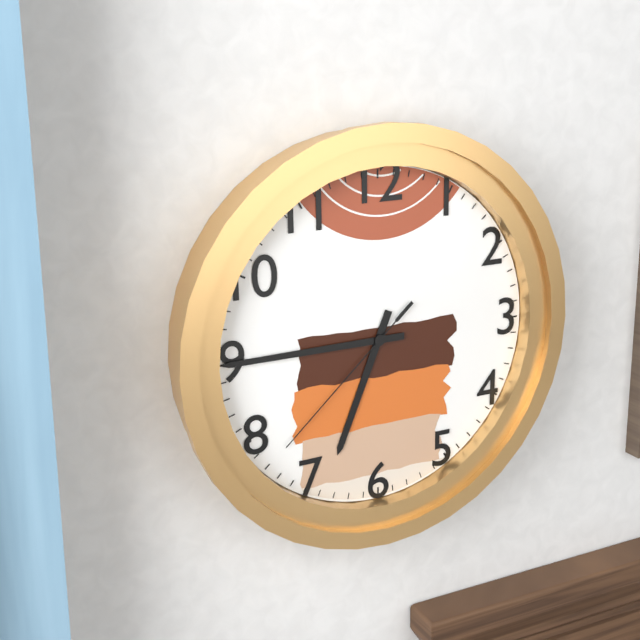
6.45.38
